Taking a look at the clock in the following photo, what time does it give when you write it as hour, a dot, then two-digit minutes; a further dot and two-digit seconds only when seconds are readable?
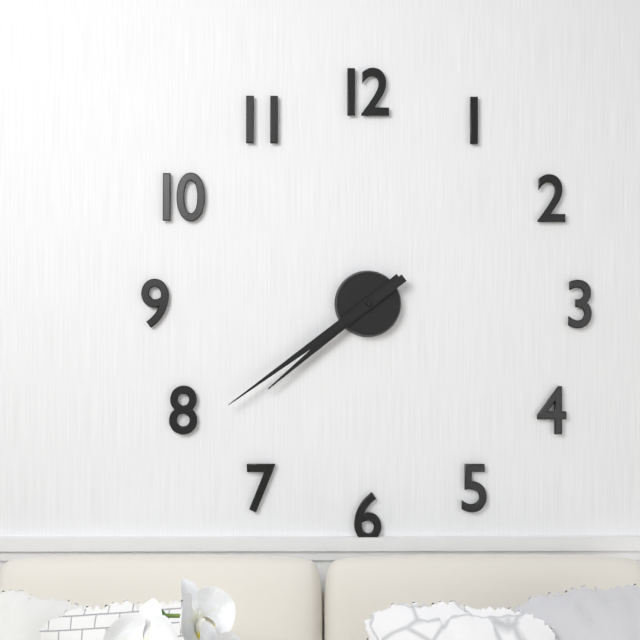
7.39
